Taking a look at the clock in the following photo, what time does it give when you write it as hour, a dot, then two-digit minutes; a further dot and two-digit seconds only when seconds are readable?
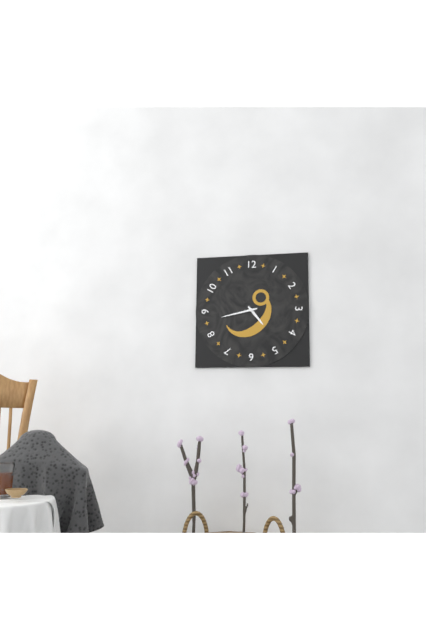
4.43
